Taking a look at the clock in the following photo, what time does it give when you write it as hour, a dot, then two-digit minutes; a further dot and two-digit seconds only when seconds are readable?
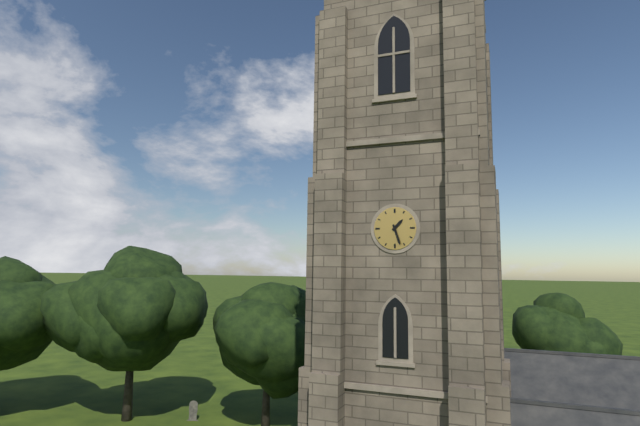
1.27
